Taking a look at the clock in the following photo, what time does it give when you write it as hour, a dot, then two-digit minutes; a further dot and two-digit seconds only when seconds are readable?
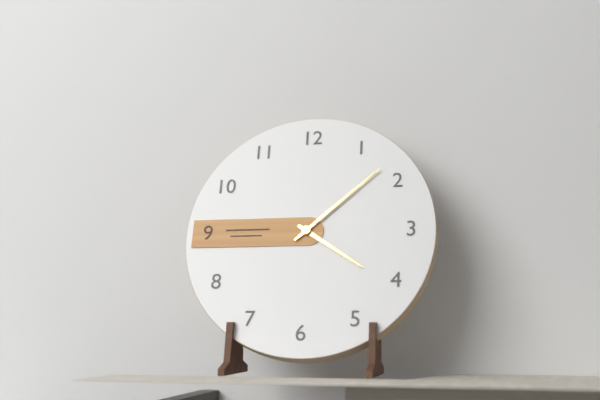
4.08
